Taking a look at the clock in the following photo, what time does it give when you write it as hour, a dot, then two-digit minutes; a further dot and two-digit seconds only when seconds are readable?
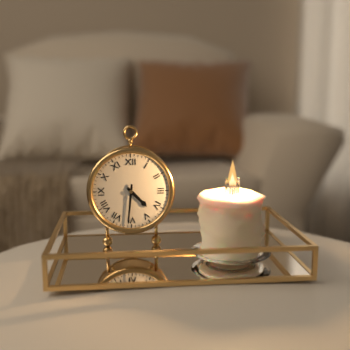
4.31
